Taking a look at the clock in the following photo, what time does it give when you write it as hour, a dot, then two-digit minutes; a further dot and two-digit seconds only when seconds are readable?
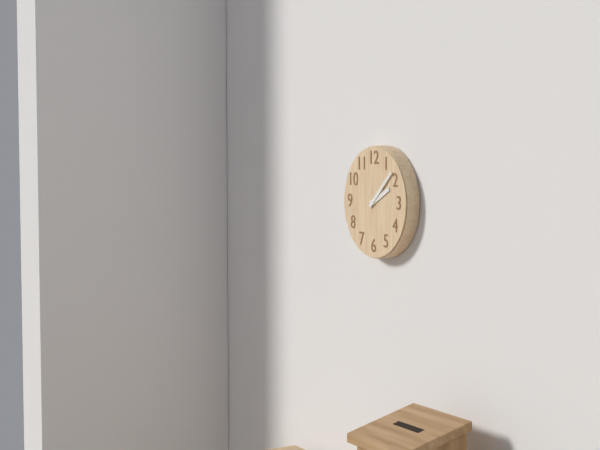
2.08
